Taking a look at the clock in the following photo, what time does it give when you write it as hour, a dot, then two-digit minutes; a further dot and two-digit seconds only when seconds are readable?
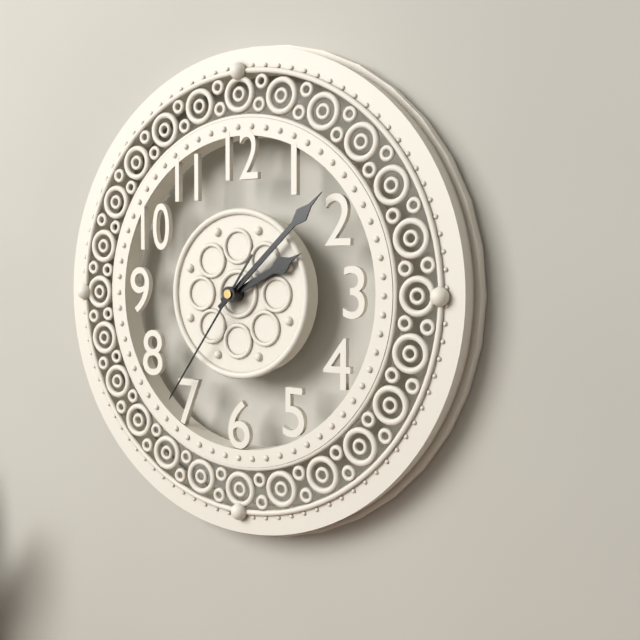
2.08.36
